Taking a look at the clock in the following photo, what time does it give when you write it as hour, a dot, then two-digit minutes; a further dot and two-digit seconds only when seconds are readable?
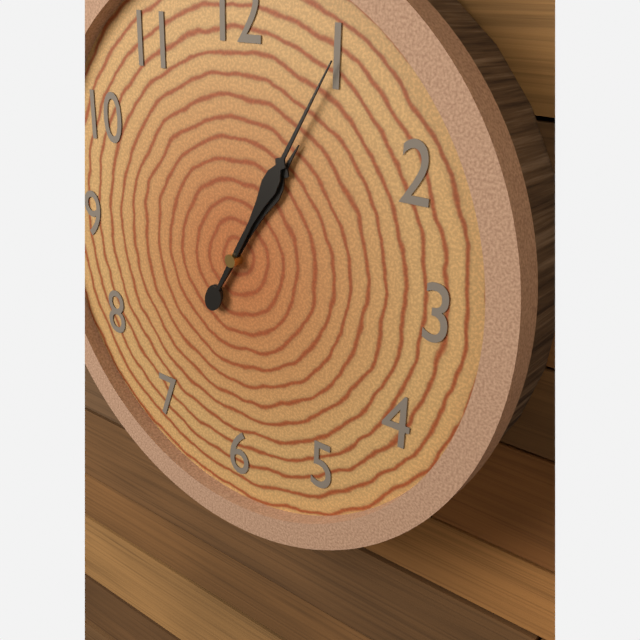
1.05
